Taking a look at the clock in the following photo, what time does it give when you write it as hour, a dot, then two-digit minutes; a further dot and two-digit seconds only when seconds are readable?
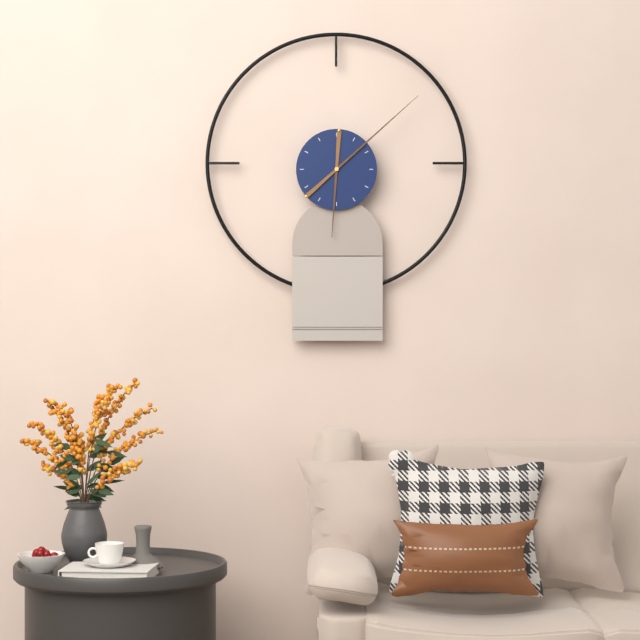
6.08
